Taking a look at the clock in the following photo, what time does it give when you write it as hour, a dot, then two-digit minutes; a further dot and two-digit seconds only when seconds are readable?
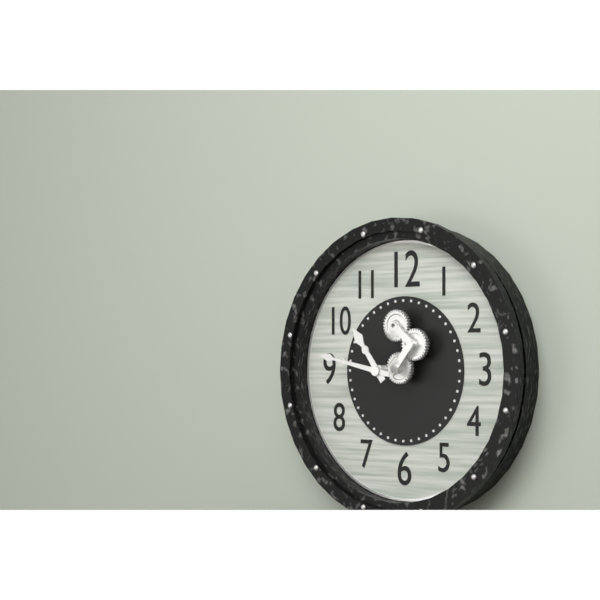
10.47
